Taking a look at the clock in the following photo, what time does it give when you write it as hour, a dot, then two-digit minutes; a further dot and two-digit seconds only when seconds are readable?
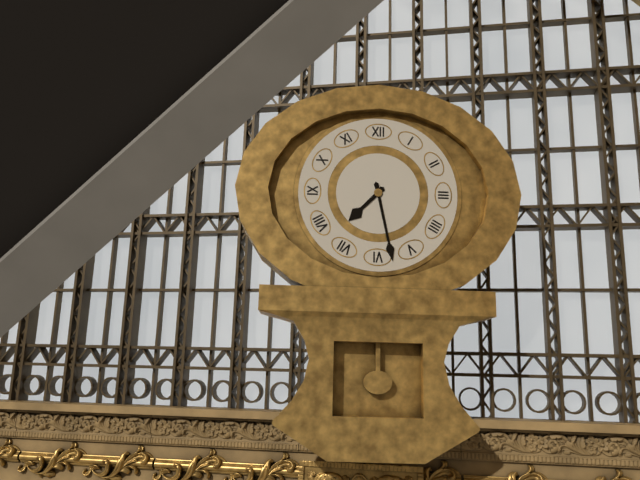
7.28
